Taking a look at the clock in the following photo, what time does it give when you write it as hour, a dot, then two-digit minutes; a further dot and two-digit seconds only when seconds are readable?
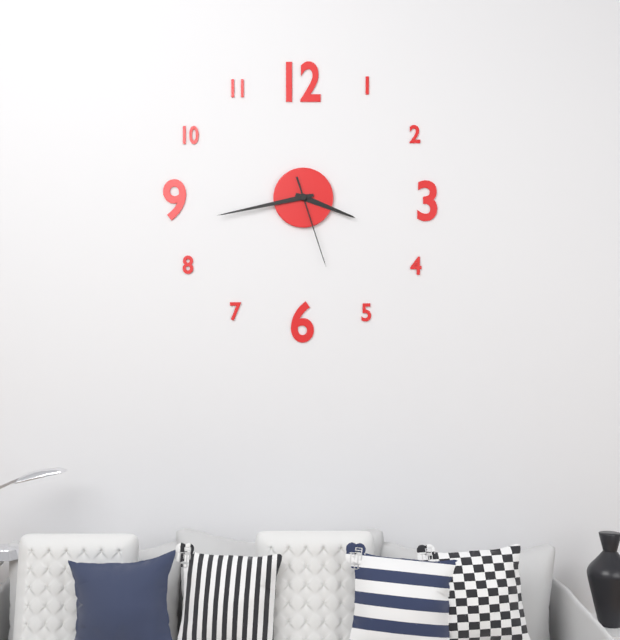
3.43.27
